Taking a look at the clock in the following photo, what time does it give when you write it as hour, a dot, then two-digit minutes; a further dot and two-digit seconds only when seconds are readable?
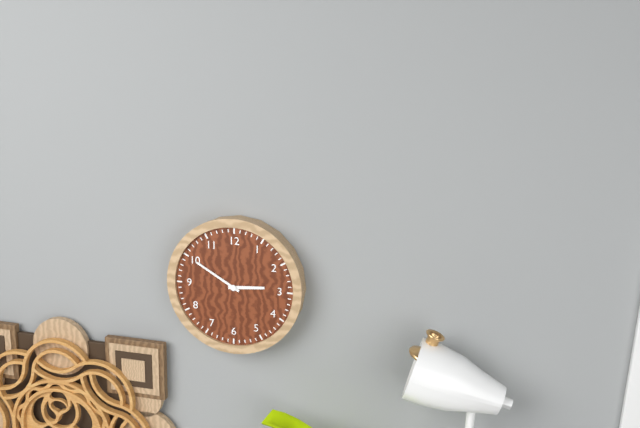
2.50
